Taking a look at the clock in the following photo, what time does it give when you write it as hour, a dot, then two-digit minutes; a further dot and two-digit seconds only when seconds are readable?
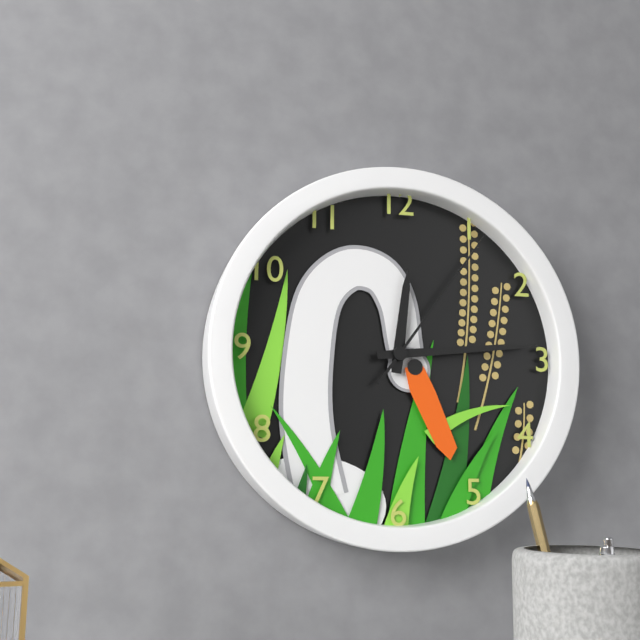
12.14.06
